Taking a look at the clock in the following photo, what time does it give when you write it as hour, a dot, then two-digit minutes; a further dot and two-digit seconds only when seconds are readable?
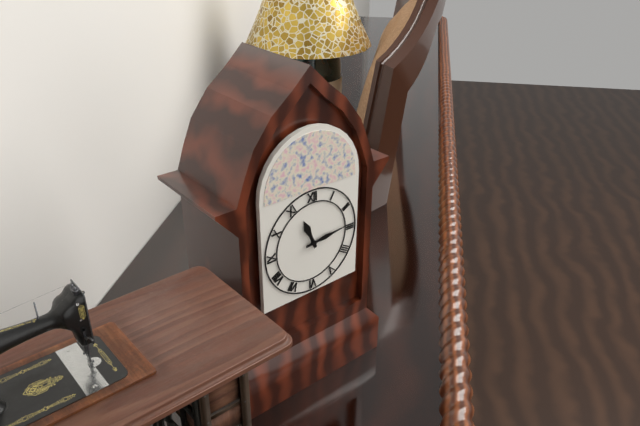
11.14
